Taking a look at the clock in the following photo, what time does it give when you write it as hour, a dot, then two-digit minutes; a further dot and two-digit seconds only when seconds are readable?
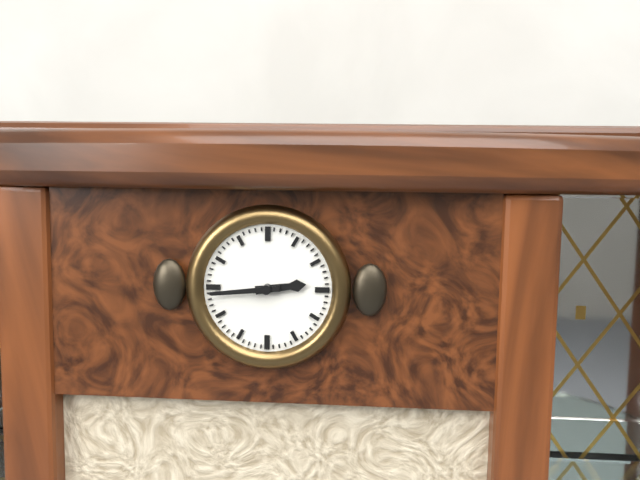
2.44
